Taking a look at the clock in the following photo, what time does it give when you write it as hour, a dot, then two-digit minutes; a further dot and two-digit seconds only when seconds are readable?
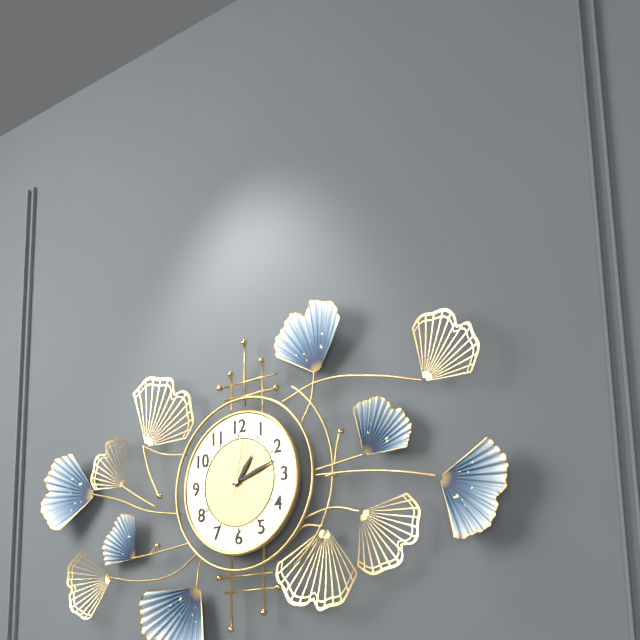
1.12.02
